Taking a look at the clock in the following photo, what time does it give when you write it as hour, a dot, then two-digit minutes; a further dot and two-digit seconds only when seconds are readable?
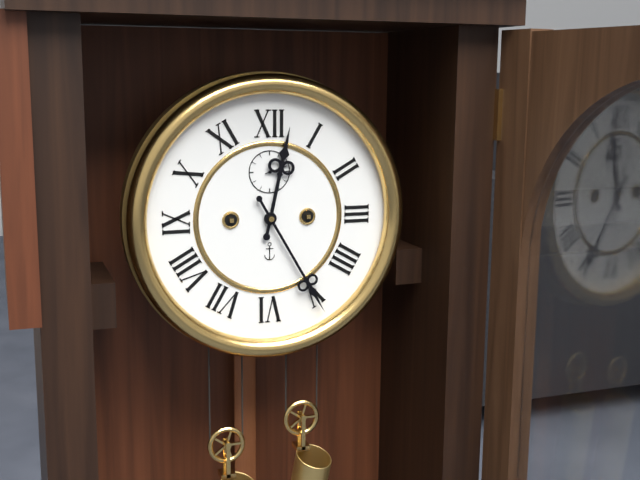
12.25
